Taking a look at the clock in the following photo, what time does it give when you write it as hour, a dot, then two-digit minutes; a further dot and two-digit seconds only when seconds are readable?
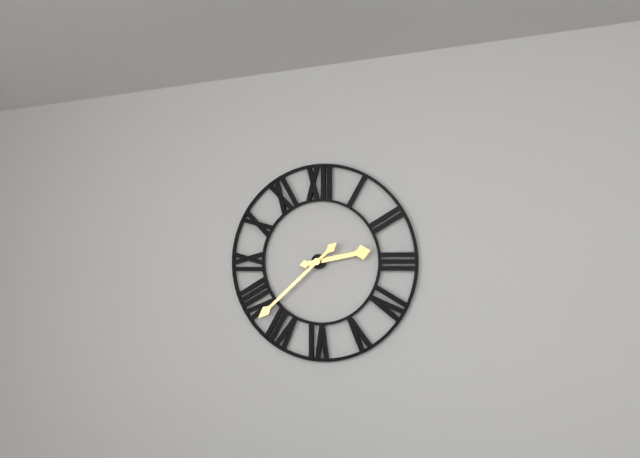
2.38
